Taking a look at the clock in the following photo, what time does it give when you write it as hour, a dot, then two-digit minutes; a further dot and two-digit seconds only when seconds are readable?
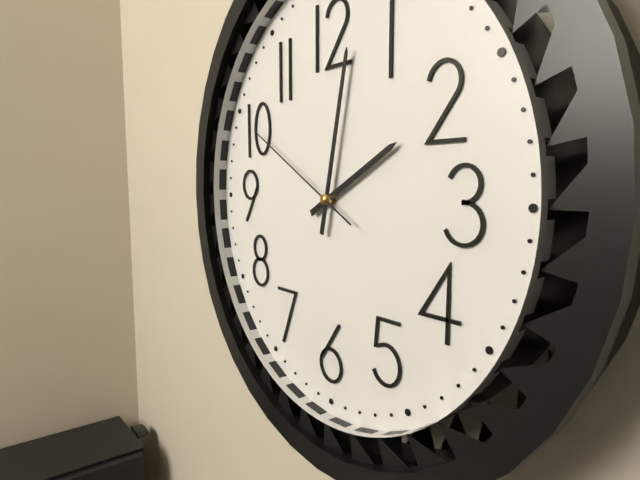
2.02.50
